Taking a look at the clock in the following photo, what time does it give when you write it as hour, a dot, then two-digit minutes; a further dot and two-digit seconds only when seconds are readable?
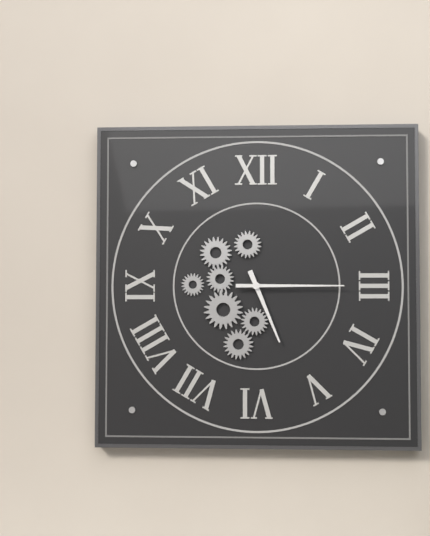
5.15
